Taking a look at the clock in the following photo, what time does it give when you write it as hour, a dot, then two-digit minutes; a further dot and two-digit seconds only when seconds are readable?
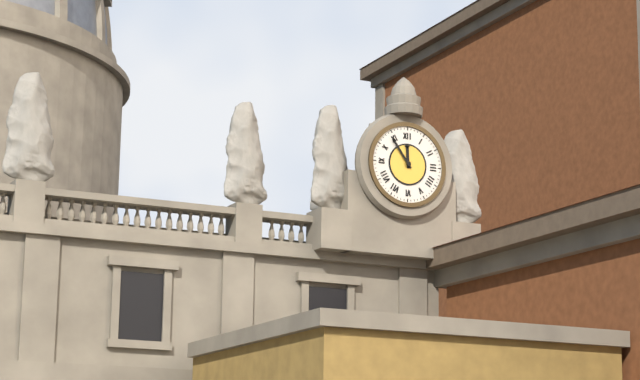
11.54
